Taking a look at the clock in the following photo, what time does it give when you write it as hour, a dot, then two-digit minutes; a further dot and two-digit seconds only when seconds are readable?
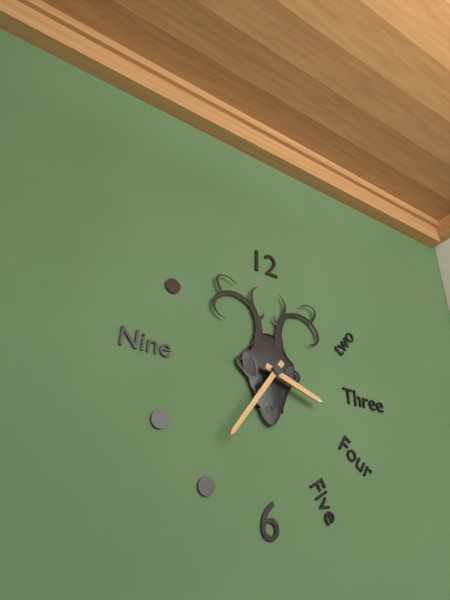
3.36
